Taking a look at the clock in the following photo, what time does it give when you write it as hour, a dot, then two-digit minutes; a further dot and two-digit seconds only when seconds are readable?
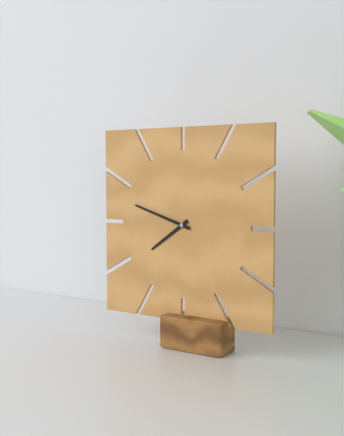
7.48
